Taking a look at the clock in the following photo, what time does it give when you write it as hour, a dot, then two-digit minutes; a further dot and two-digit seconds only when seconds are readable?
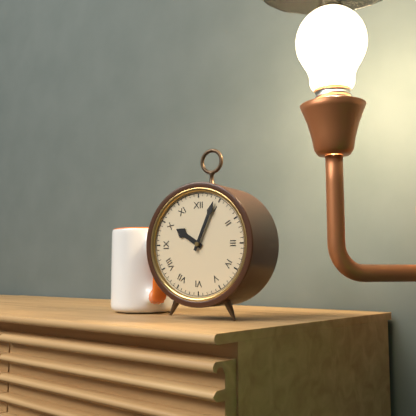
10.04
